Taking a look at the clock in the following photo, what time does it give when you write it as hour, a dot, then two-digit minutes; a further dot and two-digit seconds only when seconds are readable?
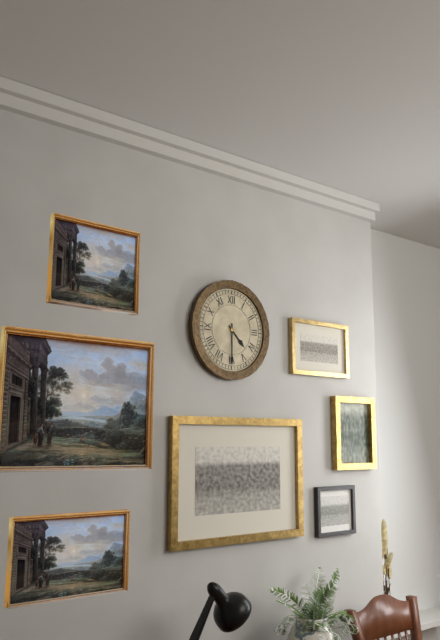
4.30
